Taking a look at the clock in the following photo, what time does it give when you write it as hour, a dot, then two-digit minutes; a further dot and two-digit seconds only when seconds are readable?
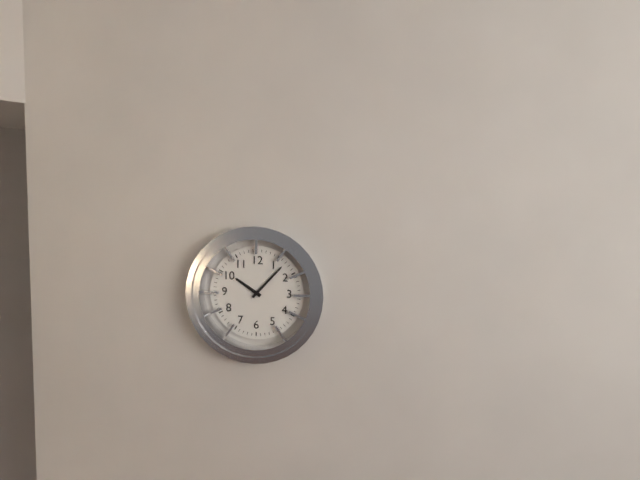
10.07
